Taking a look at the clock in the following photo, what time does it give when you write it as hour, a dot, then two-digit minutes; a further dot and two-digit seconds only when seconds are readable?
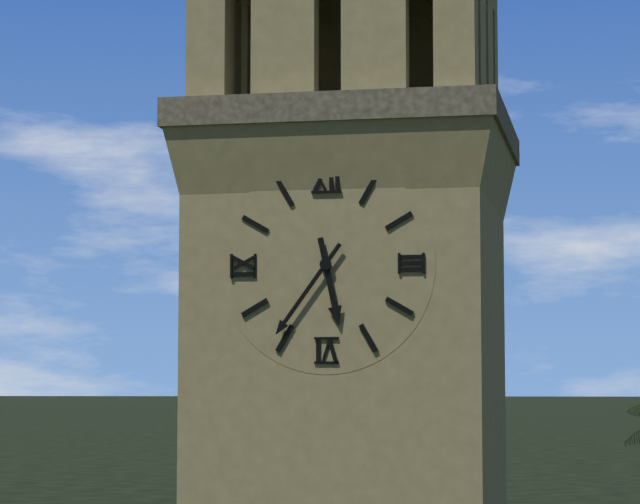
5.36
